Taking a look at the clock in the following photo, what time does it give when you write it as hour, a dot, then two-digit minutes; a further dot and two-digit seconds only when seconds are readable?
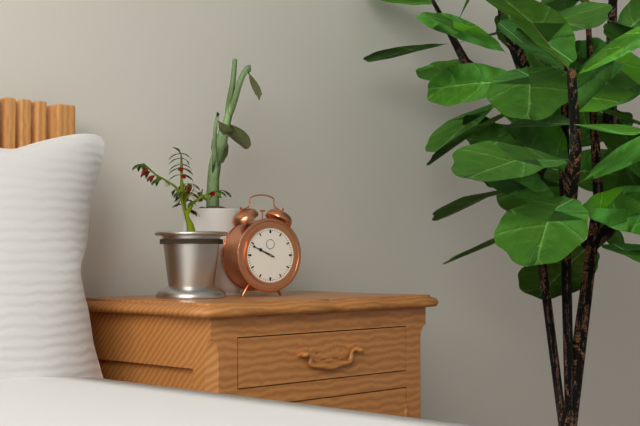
9.49
